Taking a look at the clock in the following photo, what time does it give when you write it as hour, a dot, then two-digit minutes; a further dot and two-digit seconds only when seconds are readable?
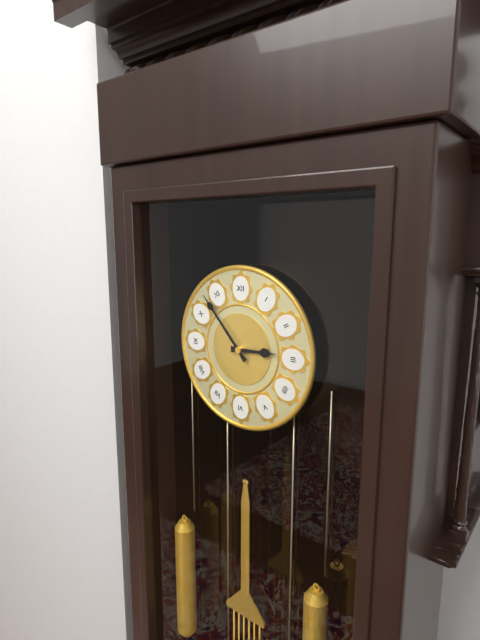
2.53
